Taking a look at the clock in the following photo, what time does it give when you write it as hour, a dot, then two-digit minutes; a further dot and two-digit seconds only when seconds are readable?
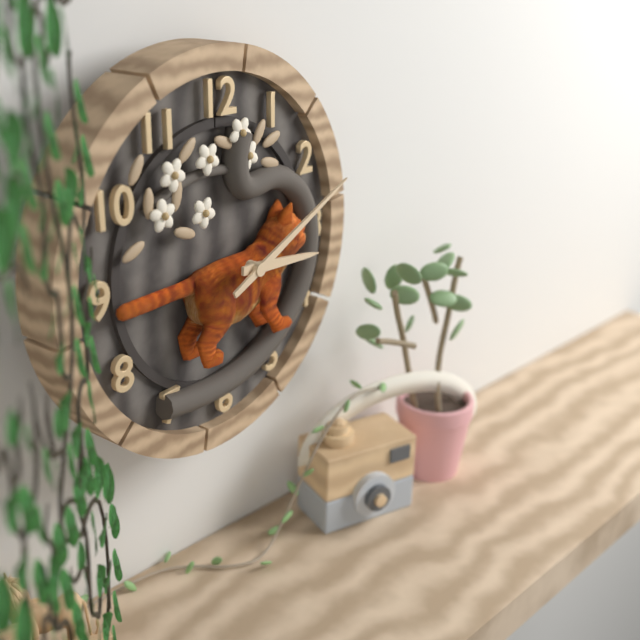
3.11
